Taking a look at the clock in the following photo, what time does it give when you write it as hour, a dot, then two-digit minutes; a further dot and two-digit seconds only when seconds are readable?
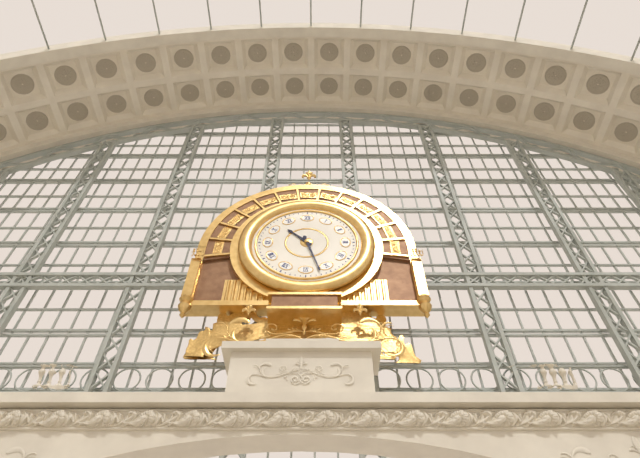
10.27
